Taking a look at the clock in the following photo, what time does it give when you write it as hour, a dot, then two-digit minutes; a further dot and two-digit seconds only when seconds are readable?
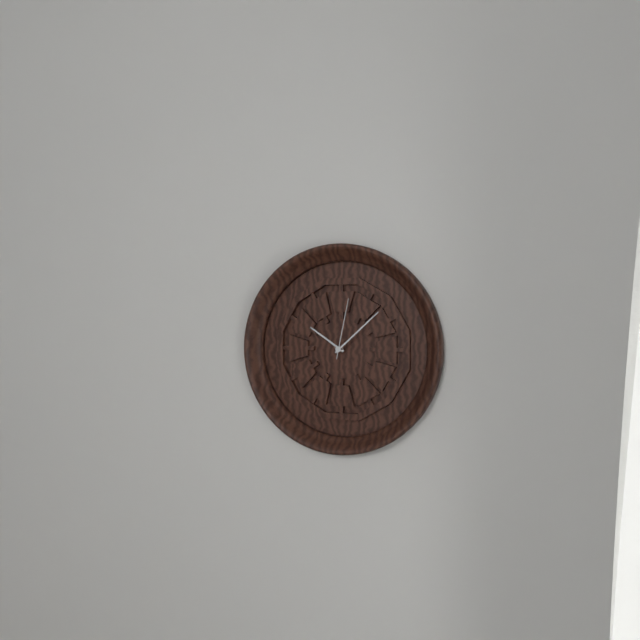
10.08.02
